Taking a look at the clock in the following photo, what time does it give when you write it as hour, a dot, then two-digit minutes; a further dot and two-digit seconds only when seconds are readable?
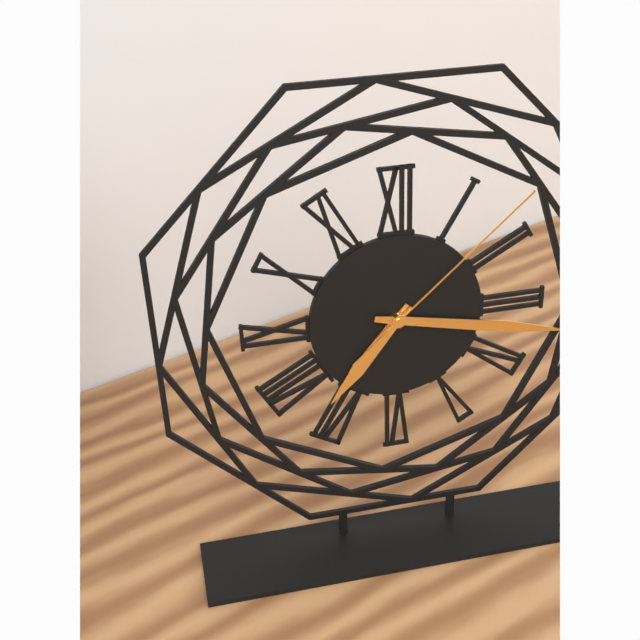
7.17.08
